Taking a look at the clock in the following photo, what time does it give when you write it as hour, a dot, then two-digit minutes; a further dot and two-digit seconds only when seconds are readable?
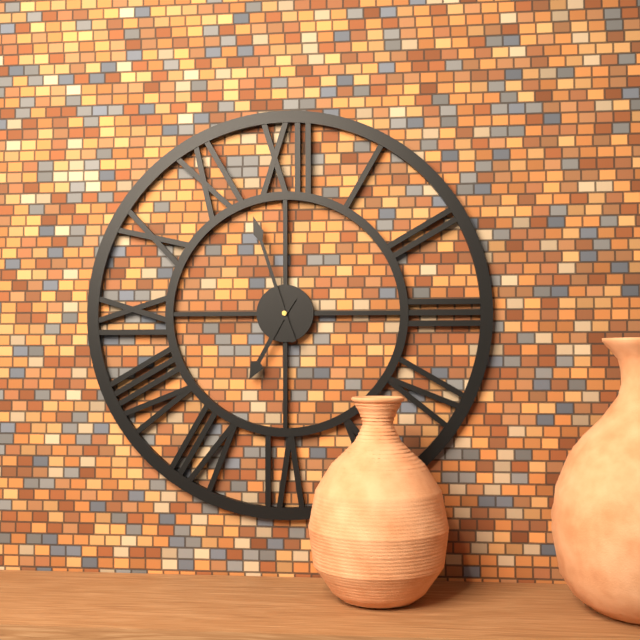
6.57
